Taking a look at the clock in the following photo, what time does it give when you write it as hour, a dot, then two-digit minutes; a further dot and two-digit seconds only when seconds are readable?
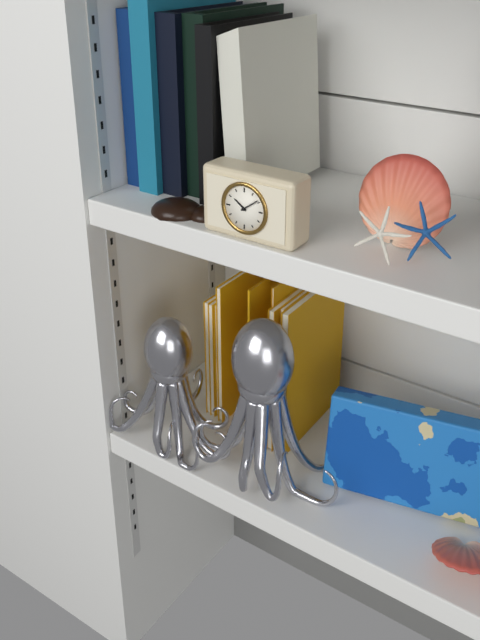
10.09
